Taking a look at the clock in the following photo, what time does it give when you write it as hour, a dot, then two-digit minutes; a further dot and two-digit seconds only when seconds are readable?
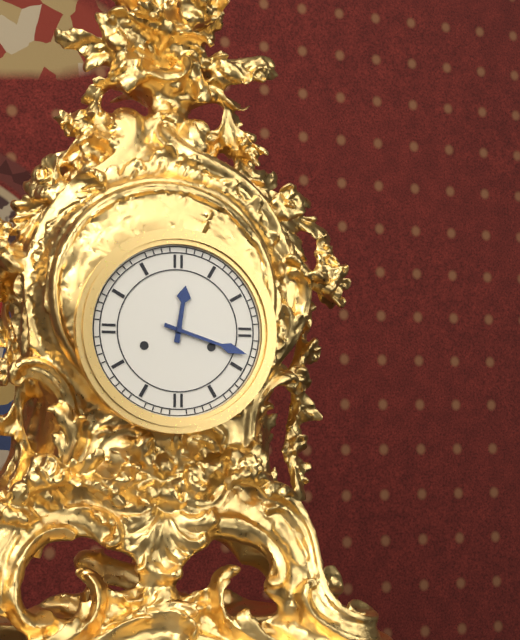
12.18
